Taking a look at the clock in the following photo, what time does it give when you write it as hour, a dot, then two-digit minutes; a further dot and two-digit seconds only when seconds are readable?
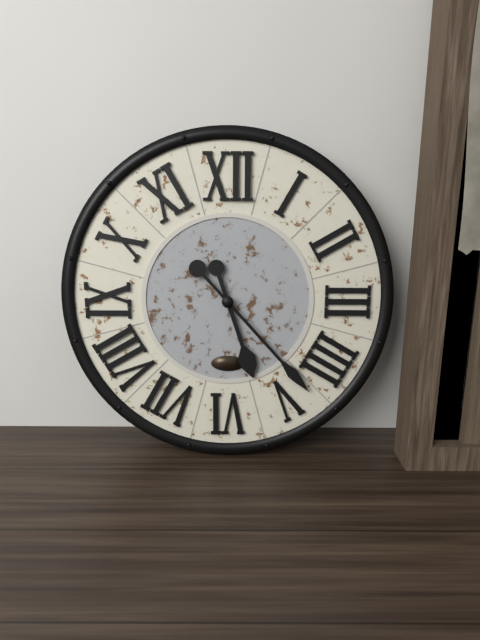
5.23
